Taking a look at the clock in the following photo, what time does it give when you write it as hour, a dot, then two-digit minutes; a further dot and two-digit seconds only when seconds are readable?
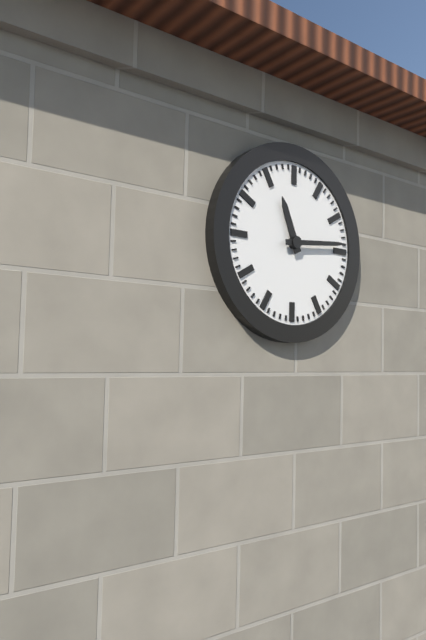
11.14
